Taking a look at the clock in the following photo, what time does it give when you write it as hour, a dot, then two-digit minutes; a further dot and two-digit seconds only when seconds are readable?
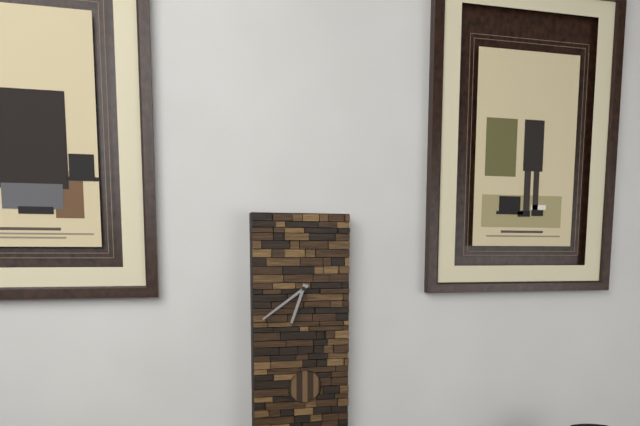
6.39
